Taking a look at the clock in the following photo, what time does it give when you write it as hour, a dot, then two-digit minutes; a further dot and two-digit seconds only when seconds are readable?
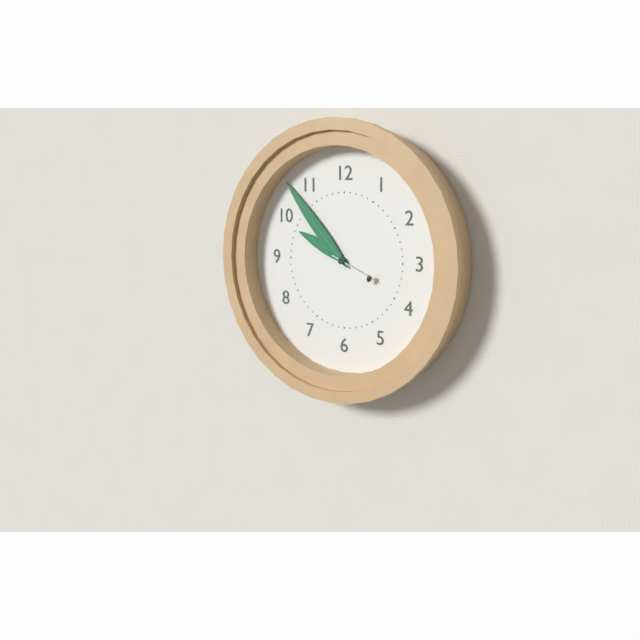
9.53
